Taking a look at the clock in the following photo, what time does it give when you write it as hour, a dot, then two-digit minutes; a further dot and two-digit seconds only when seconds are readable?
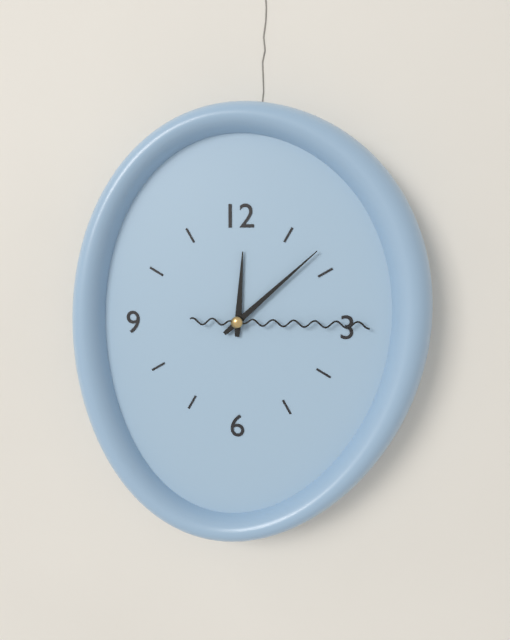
12.08.15
